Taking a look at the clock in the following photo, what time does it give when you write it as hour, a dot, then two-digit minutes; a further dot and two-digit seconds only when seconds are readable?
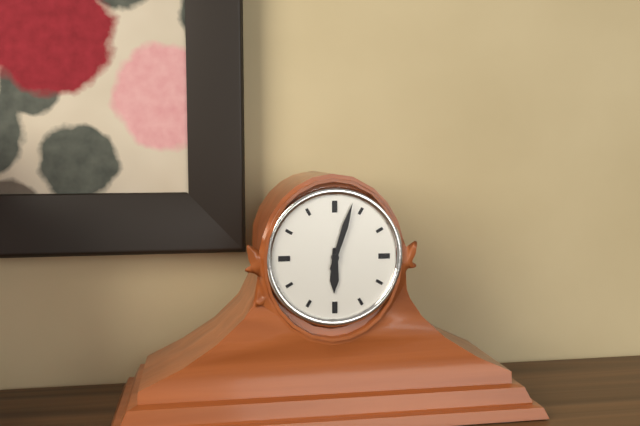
6.03
